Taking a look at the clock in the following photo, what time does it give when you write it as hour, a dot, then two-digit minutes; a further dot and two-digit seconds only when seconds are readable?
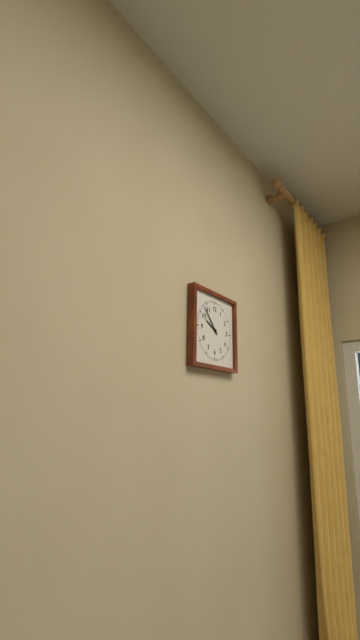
9.53
